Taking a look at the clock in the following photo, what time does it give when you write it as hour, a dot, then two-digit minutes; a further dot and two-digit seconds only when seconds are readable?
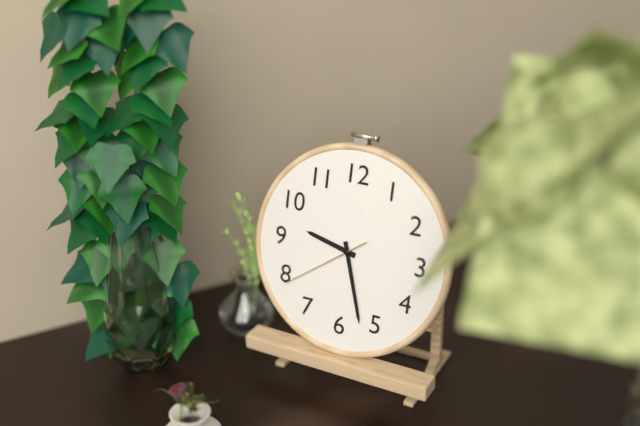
9.27.39
